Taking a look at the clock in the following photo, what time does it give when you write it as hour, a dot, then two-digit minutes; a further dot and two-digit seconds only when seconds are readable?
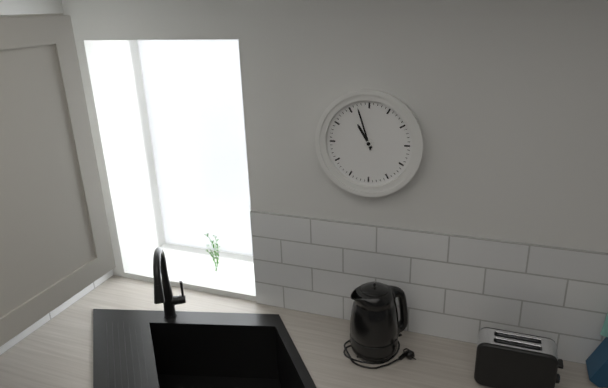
10.57
